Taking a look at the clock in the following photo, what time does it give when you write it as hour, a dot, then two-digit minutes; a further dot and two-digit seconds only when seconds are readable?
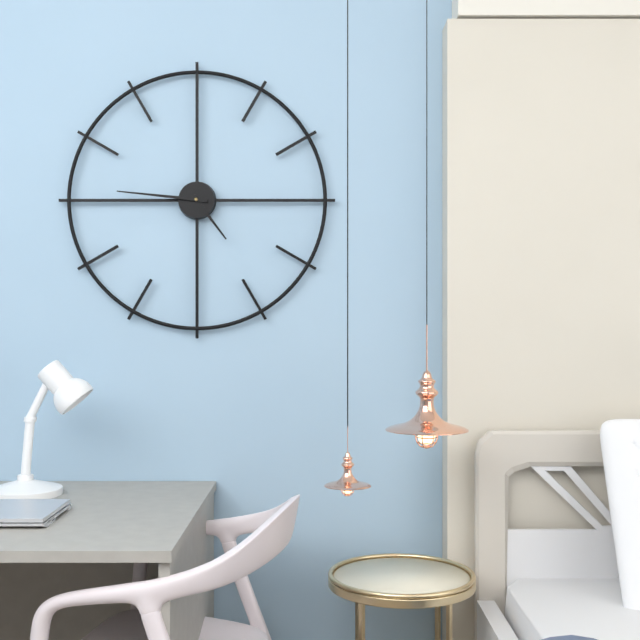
4.46
